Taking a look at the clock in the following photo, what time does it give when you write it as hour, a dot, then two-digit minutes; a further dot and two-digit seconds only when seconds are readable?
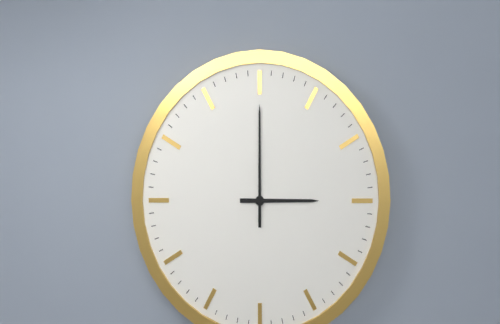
3.00
